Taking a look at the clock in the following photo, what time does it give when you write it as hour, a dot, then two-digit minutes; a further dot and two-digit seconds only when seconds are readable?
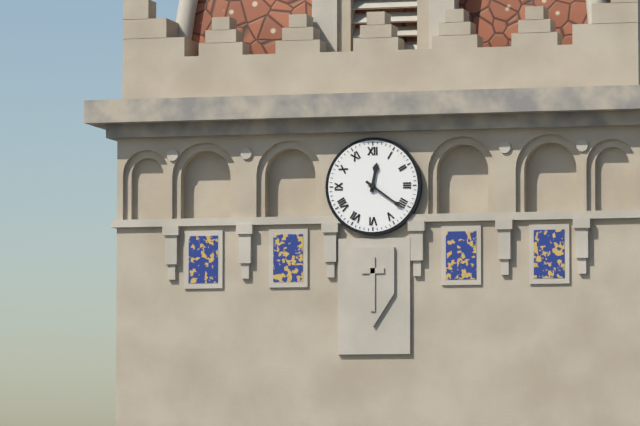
12.21
